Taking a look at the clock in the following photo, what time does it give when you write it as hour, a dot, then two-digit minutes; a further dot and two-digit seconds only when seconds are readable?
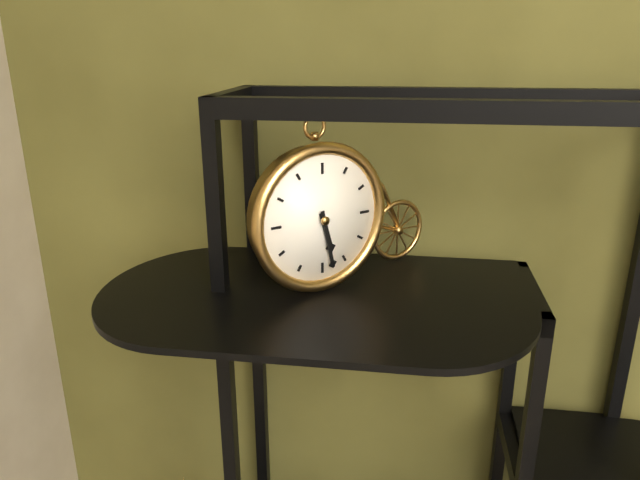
5.28
